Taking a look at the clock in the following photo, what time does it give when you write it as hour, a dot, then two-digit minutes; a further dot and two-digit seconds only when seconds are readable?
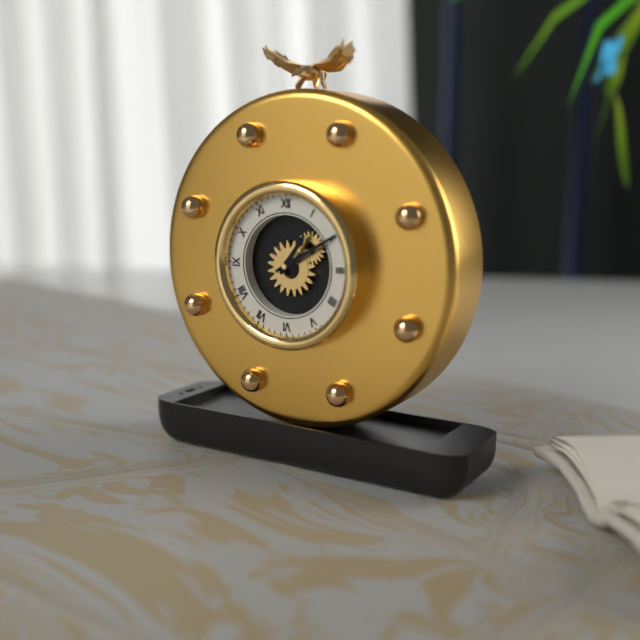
1.10
